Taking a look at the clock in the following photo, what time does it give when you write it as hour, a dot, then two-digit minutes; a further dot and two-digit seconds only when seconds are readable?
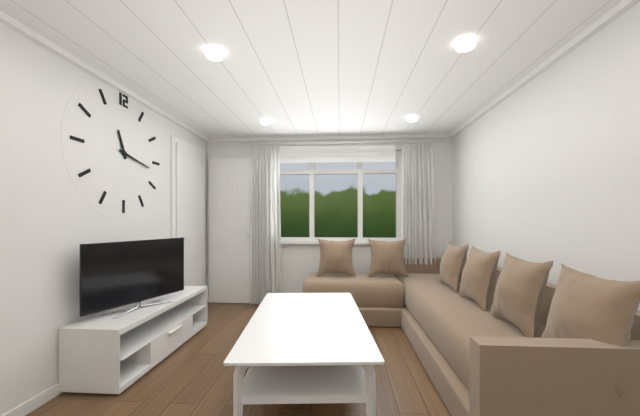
11.17
